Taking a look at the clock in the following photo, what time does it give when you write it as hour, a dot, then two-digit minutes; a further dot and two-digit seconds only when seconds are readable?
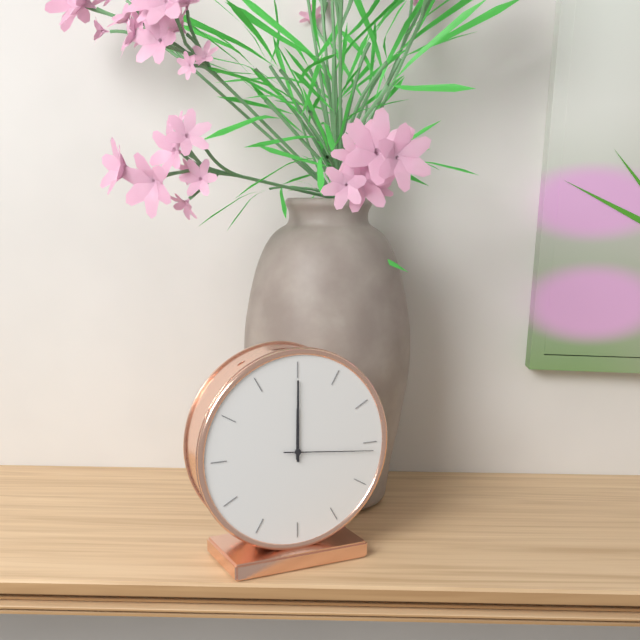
12.00.16
